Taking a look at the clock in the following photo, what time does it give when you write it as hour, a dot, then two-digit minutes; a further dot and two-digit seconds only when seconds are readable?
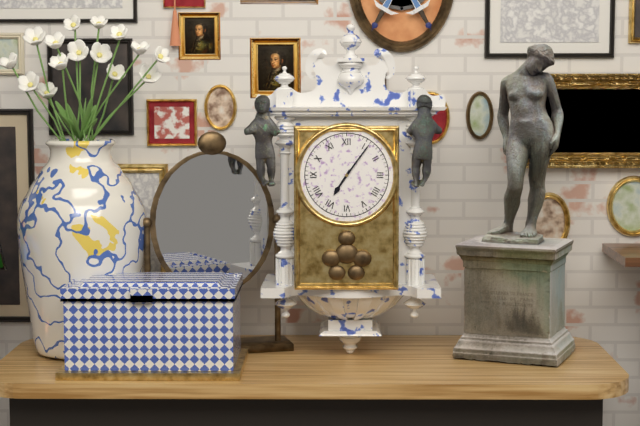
7.06
